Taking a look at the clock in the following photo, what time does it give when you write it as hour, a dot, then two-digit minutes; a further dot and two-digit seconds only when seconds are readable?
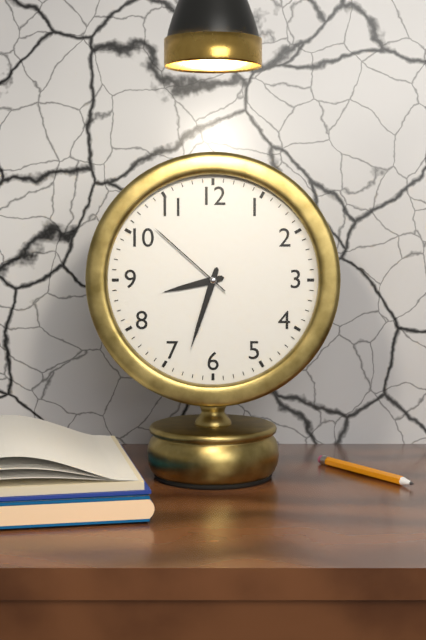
8.33.52
